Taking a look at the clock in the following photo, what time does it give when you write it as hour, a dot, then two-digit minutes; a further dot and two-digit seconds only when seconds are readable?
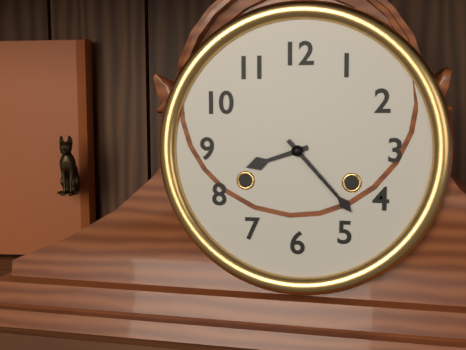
8.23
